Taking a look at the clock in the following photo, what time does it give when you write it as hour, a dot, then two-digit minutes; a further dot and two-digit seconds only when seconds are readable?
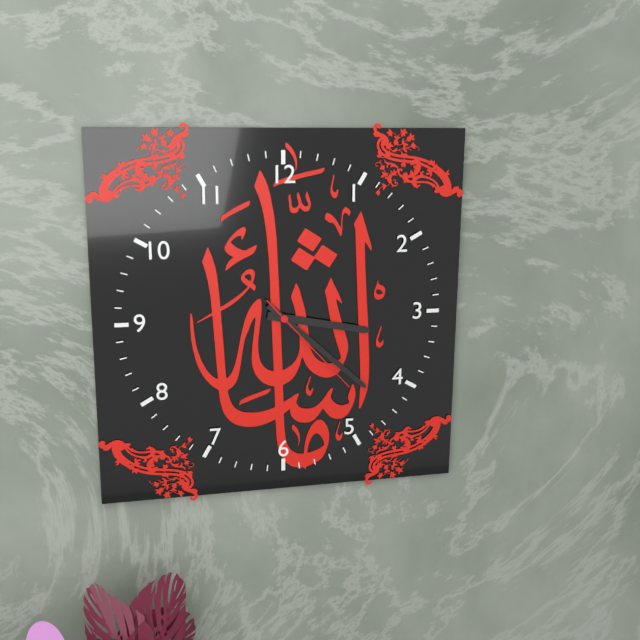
3.22.23
